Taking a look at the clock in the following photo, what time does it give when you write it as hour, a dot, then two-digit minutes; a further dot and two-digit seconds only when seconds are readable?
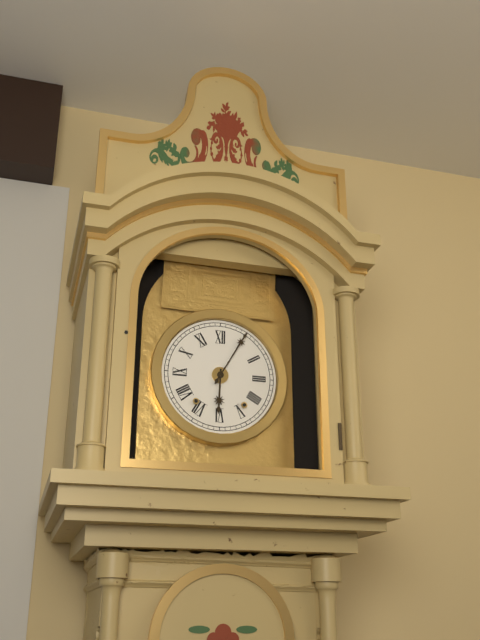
6.05
